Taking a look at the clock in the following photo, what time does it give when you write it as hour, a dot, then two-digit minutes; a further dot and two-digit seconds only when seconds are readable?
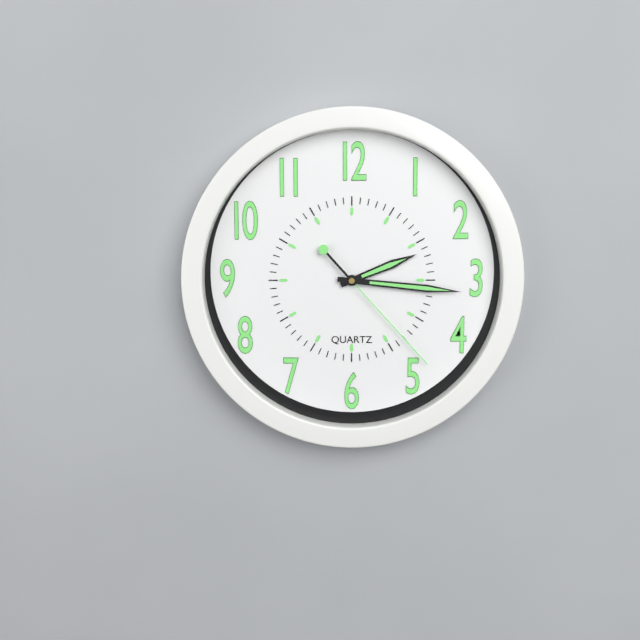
2.16.23
